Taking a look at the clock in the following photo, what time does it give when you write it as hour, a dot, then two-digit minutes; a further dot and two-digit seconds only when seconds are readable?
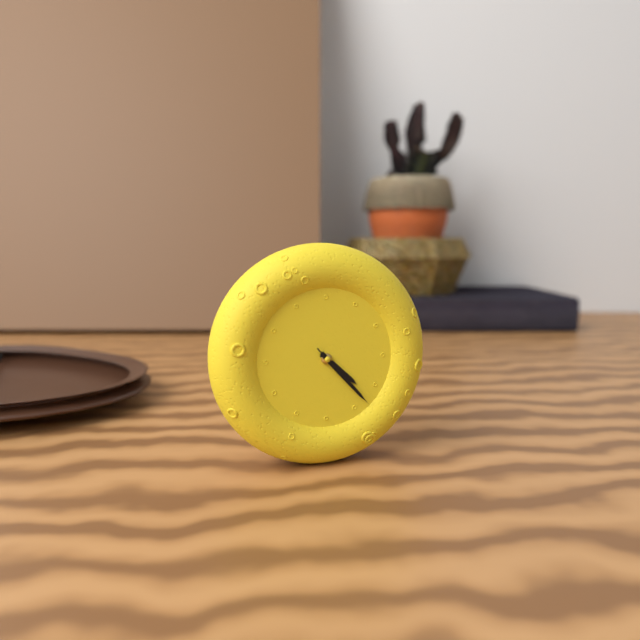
4.23.23
